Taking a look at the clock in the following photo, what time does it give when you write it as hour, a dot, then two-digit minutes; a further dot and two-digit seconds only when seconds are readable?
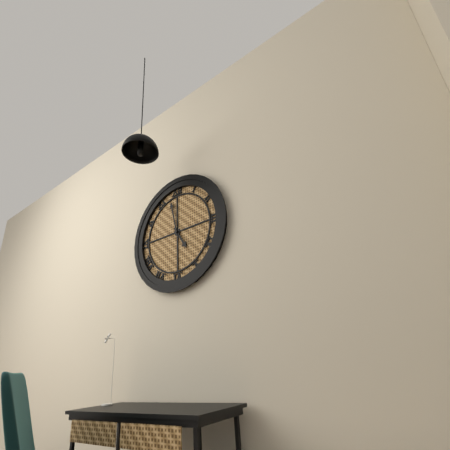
4.58
